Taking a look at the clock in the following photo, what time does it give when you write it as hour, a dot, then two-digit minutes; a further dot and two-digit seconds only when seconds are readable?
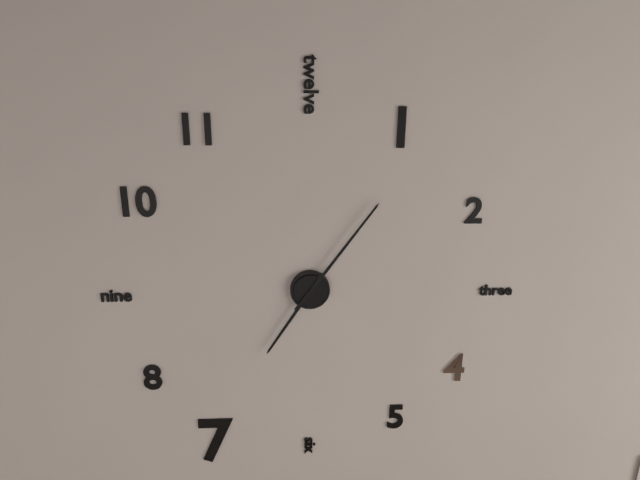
7.06
